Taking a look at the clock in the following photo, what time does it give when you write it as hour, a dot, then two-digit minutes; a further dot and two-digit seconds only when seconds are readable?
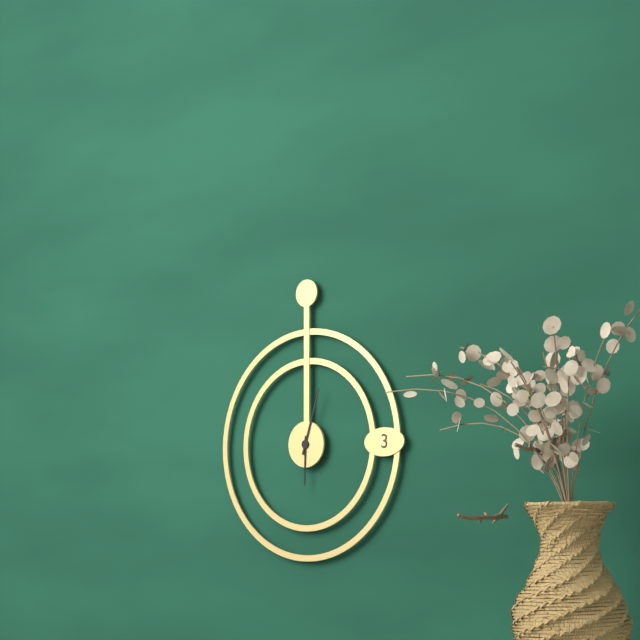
6.03
